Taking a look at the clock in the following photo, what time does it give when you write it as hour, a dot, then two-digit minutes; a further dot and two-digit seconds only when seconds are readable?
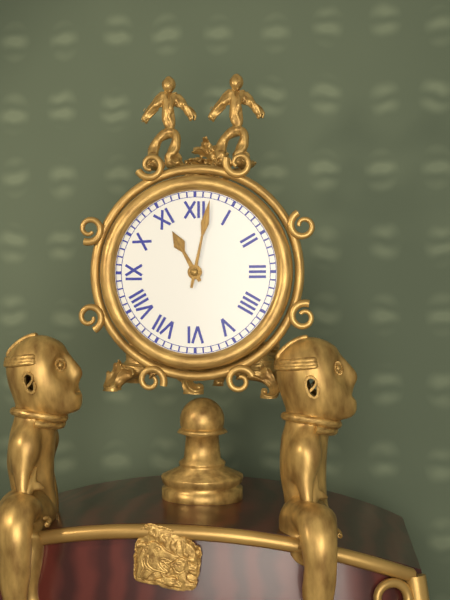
11.02
